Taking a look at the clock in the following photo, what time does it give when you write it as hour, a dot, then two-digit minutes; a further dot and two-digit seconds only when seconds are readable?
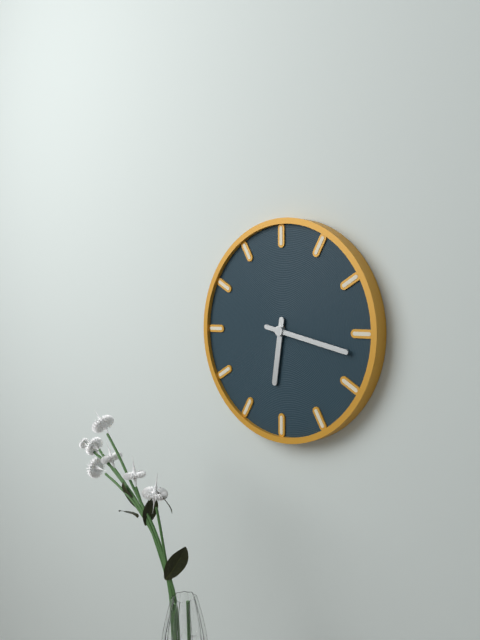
6.17
